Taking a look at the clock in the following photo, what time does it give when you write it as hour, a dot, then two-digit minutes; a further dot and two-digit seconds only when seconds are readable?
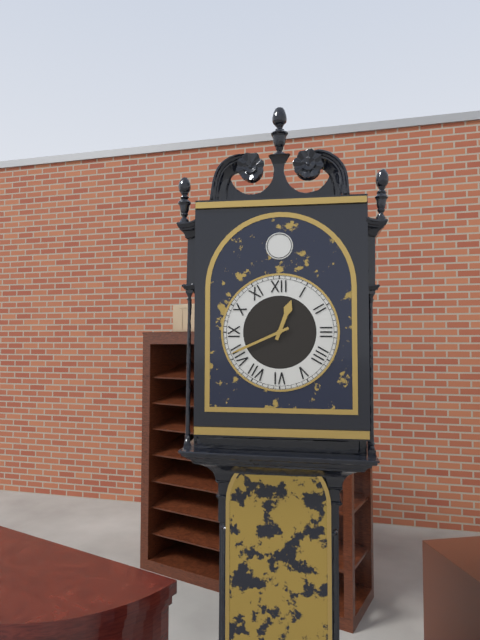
12.41
